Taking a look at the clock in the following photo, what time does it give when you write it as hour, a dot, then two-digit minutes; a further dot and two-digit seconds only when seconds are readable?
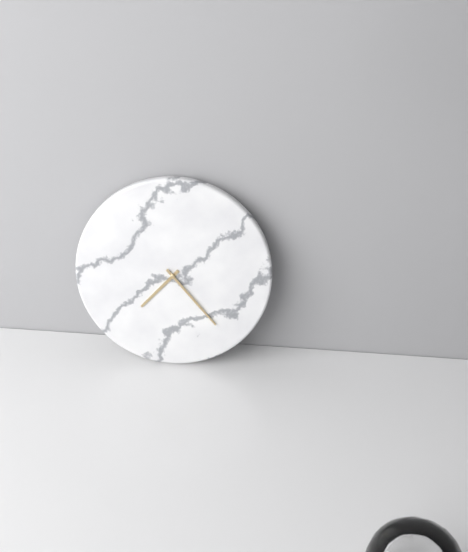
7.23
